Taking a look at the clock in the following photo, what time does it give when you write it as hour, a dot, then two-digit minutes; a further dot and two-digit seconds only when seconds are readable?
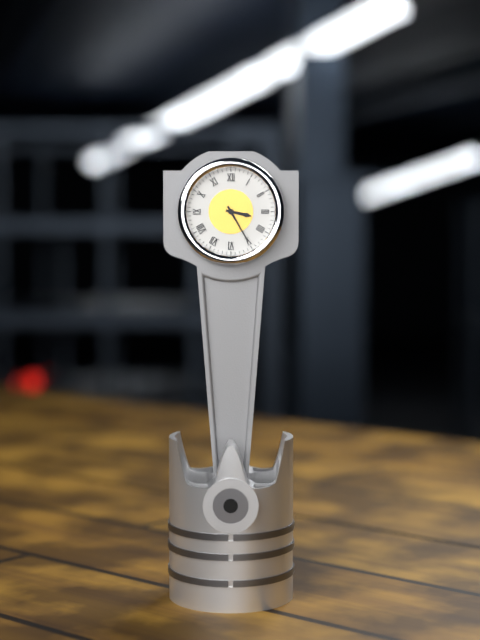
3.25
